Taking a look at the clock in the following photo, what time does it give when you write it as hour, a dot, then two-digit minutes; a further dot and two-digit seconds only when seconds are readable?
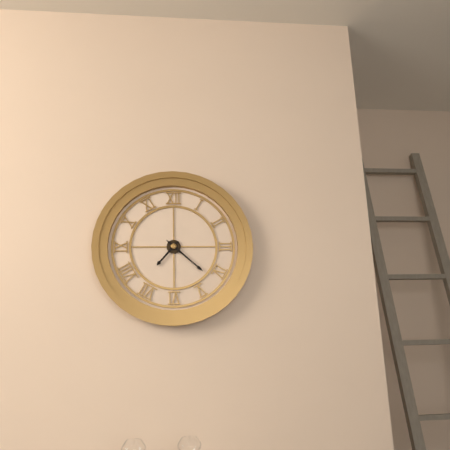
7.22
